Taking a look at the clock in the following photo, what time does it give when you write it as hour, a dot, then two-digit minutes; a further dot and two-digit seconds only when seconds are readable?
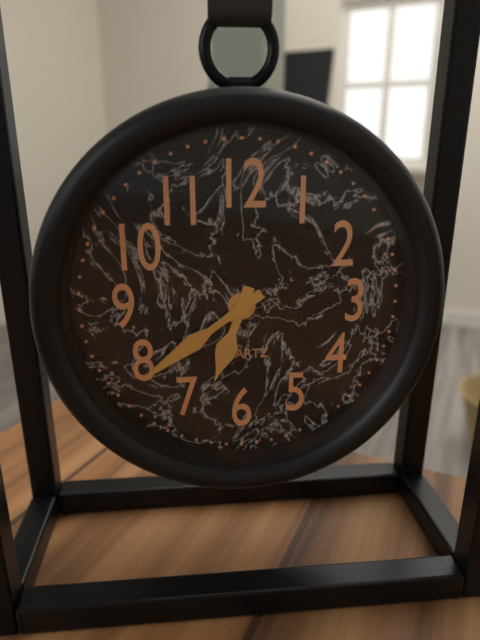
6.39
